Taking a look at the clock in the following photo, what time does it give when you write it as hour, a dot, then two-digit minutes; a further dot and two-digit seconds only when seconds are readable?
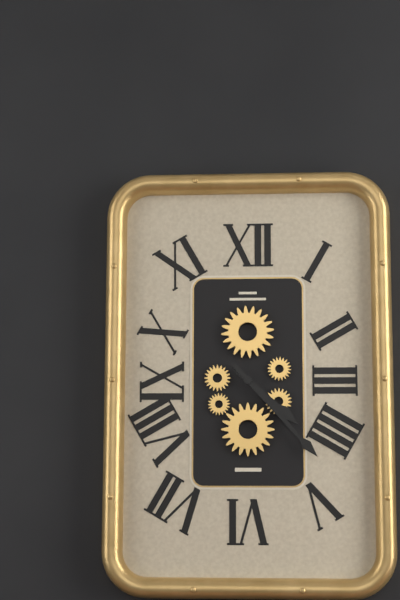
4.23
